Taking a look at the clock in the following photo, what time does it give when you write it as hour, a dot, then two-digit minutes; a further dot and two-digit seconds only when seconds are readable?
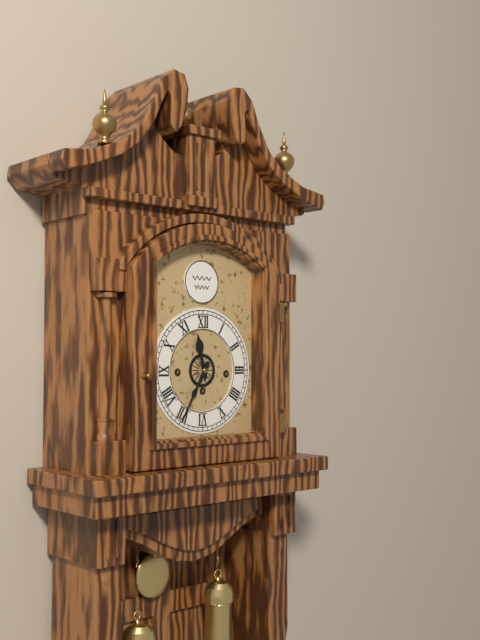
11.35
